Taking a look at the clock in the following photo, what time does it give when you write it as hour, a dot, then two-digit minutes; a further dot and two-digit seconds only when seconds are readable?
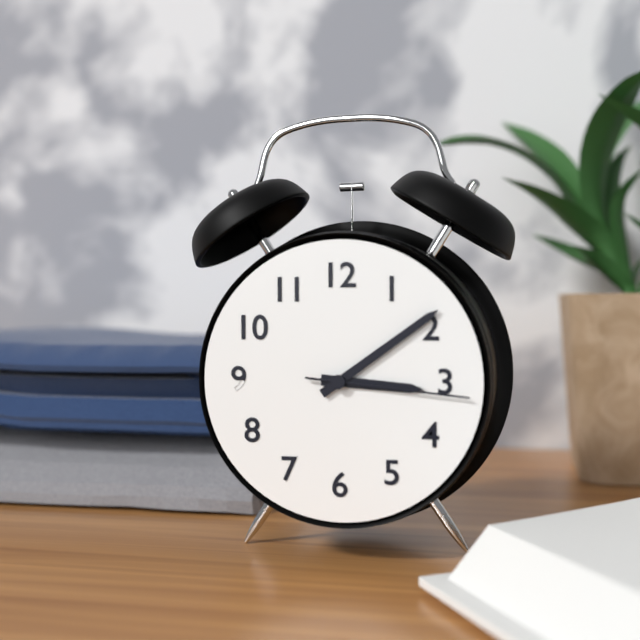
3.09.16
